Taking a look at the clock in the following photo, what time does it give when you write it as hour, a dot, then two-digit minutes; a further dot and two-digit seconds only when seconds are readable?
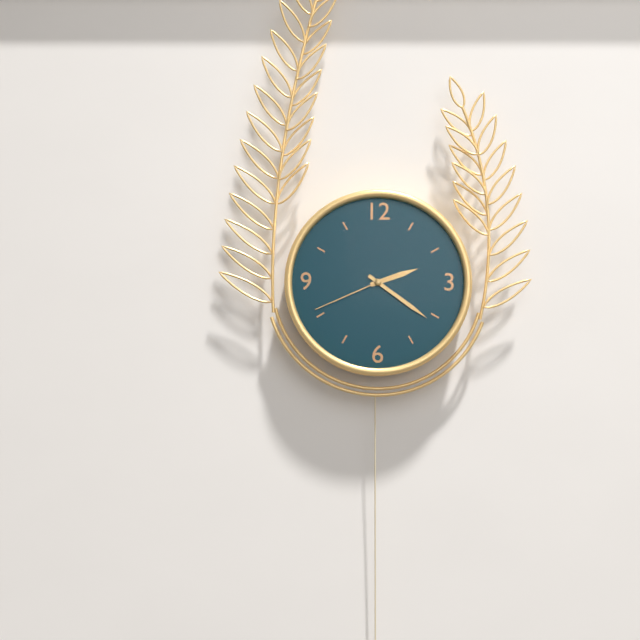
2.21.41
